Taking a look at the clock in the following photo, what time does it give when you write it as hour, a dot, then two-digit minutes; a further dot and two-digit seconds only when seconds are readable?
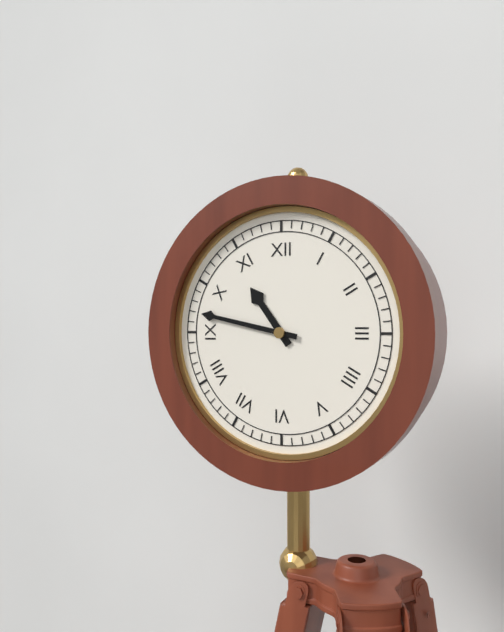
10.47
